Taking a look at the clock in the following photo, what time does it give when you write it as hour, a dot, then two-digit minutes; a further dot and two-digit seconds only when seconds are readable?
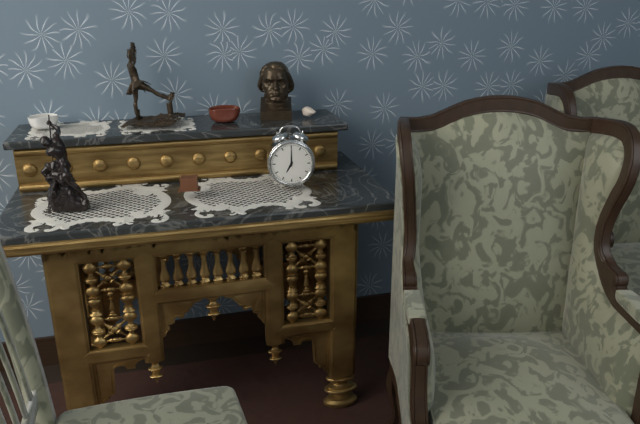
7.00
